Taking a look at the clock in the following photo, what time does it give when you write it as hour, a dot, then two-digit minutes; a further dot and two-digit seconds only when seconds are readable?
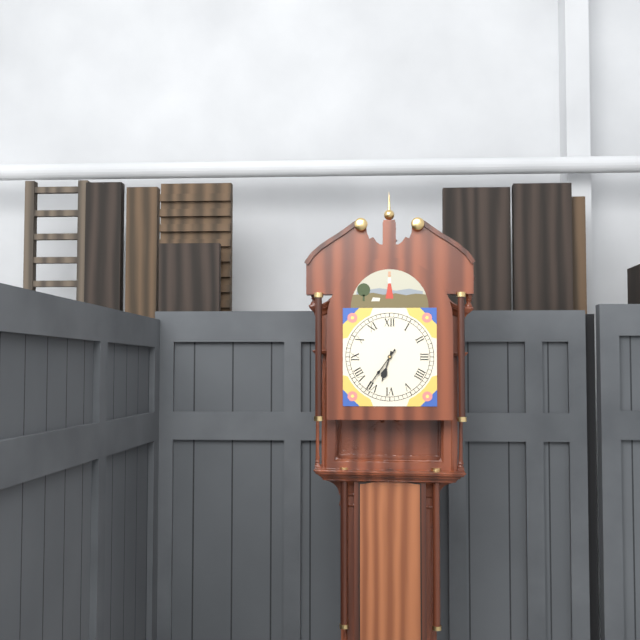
6.36
